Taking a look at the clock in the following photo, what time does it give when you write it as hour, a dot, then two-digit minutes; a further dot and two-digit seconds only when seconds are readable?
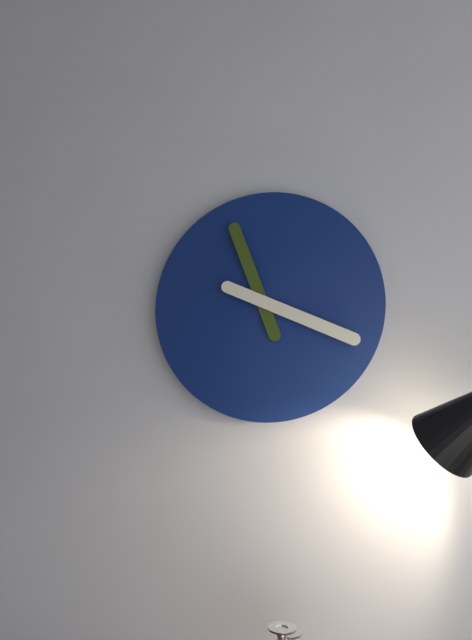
11.19
